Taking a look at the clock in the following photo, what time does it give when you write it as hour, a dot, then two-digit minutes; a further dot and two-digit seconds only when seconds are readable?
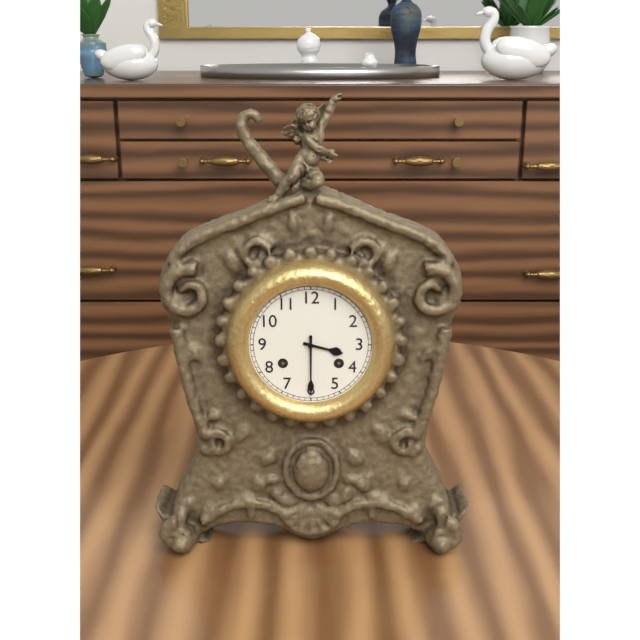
3.30
